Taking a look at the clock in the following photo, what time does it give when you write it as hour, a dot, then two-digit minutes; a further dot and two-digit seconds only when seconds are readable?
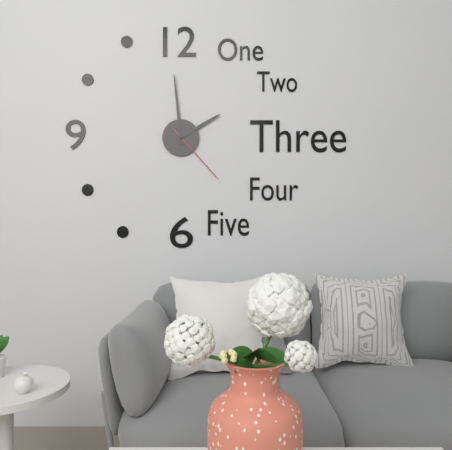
1.59.23
